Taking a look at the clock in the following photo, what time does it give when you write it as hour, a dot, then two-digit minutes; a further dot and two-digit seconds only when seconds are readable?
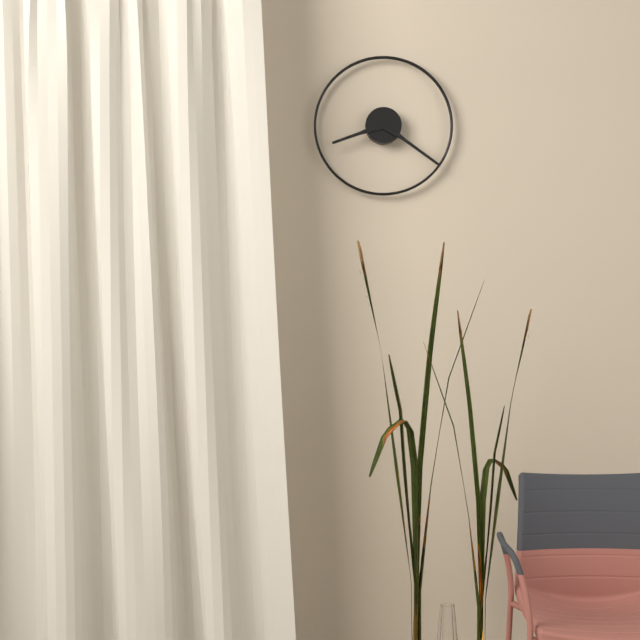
8.21
